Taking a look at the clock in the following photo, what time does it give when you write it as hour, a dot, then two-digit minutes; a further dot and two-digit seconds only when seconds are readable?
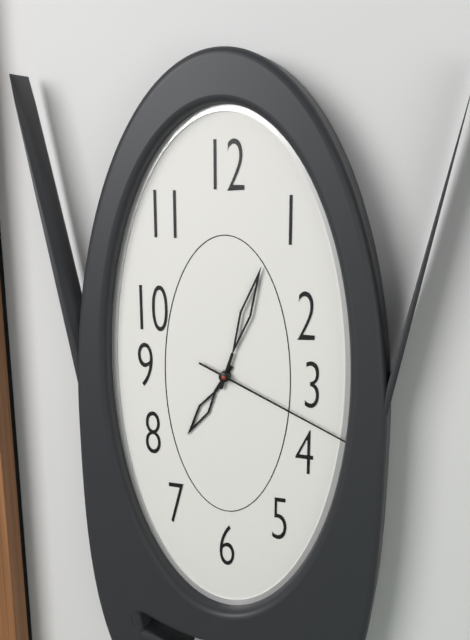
7.03.19
